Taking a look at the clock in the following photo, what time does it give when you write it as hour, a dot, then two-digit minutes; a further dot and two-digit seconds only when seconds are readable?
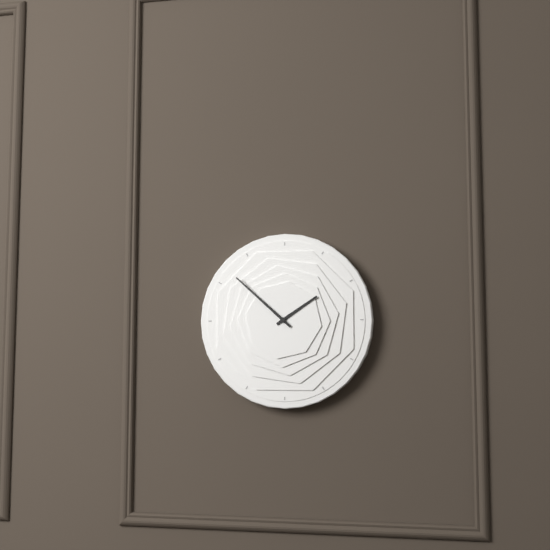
1.52
